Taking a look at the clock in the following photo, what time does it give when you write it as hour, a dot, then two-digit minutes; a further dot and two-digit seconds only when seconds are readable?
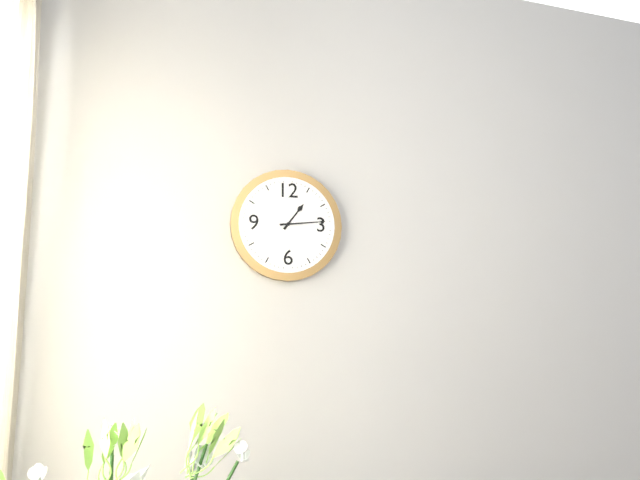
1.14
